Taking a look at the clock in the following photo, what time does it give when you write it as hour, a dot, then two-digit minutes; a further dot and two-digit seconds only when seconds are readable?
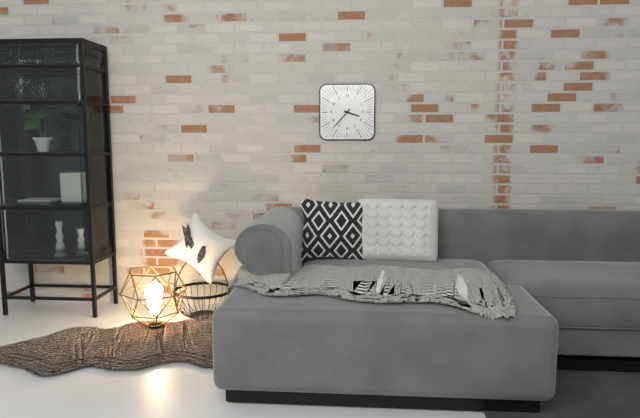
3.37
